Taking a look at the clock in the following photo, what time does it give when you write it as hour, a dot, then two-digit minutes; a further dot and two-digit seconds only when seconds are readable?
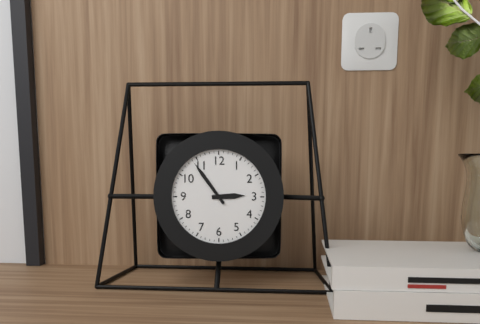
2.54
